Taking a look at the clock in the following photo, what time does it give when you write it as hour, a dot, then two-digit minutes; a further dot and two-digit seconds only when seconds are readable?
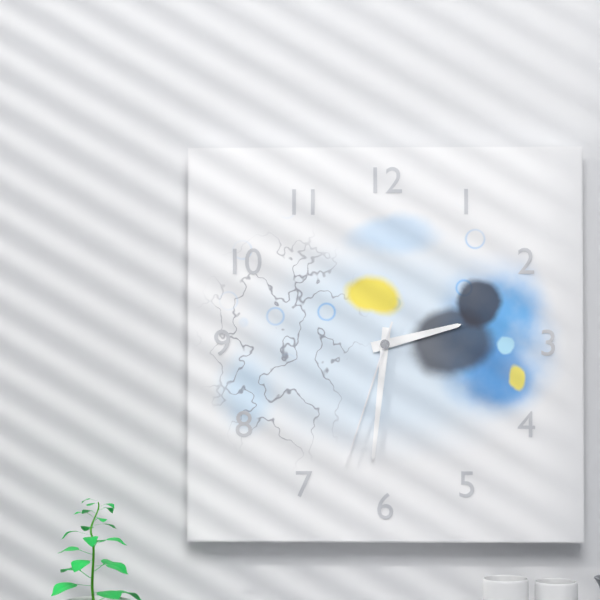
2.31.33
